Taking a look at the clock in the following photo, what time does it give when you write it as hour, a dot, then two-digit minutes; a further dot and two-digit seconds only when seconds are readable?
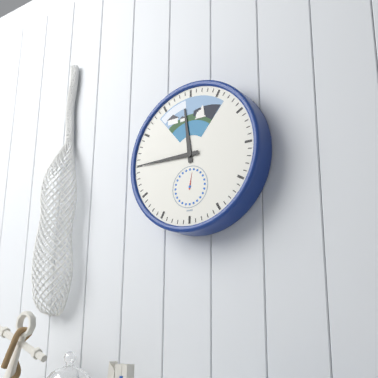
11.45
